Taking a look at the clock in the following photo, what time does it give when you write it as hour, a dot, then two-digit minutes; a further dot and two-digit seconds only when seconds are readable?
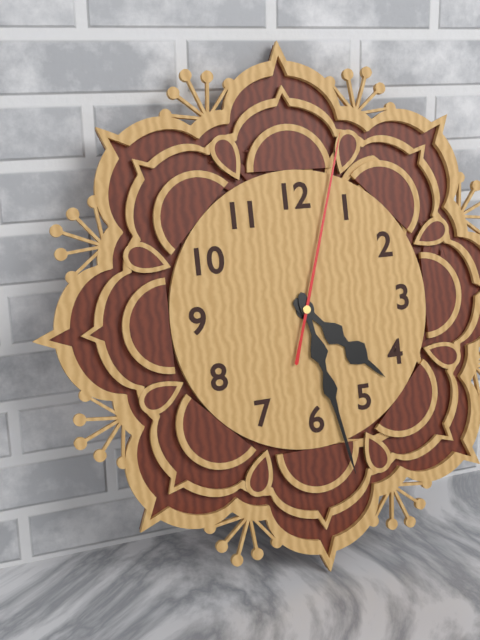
4.28.03
